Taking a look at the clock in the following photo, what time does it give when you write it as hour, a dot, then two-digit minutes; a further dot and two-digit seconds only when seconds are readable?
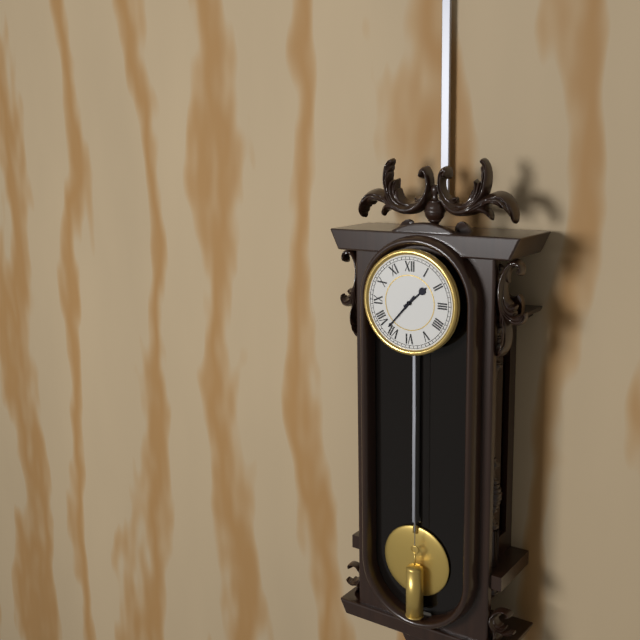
1.37
